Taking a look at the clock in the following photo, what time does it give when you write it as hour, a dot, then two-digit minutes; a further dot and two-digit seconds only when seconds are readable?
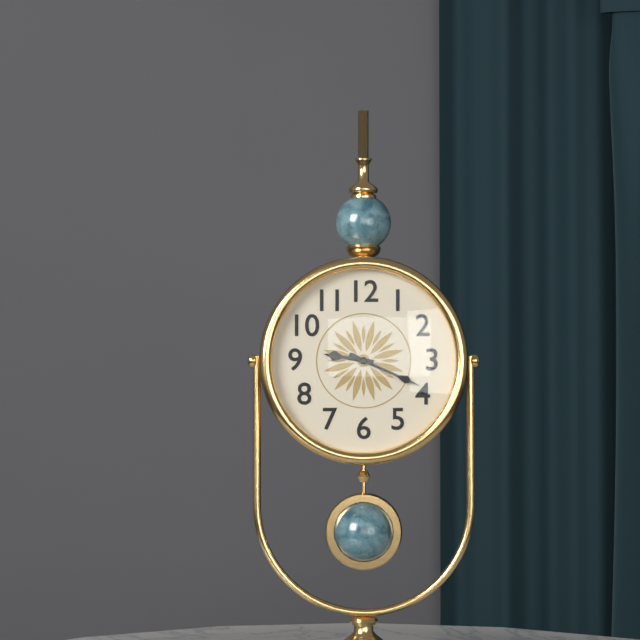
9.19
